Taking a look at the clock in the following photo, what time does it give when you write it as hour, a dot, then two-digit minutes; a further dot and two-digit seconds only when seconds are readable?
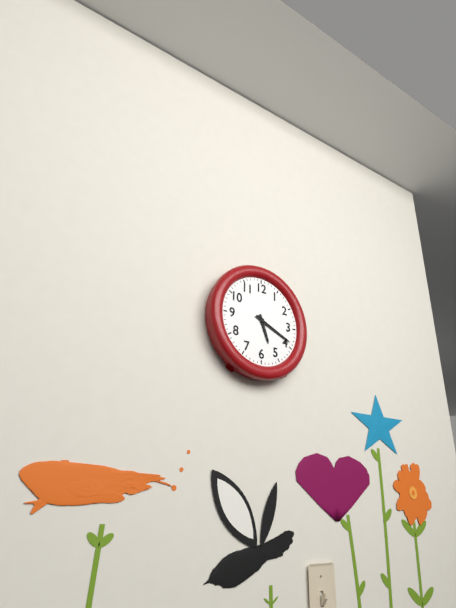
5.19
